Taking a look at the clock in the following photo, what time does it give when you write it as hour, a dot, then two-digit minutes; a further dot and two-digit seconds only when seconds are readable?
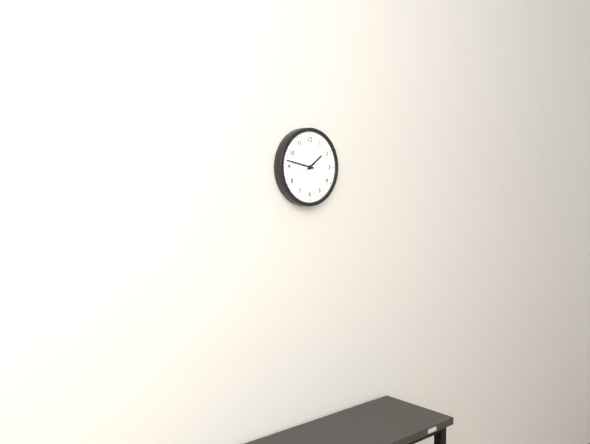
1.47
